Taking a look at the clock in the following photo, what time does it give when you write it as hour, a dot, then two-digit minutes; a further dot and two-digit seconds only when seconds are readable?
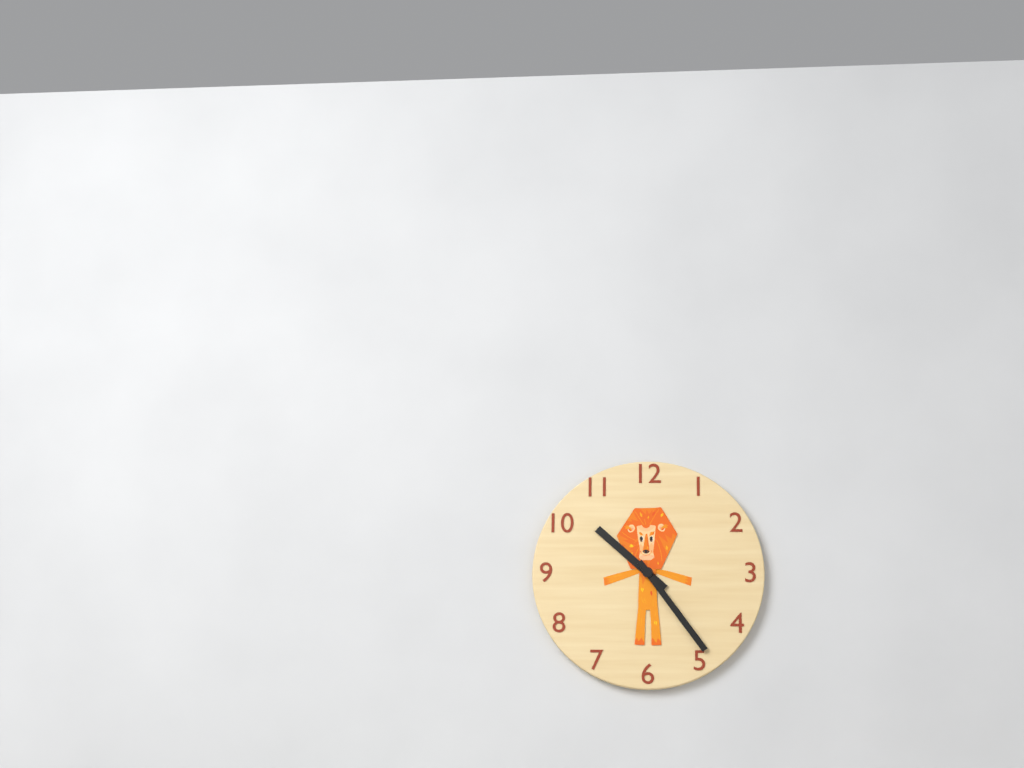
10.24
